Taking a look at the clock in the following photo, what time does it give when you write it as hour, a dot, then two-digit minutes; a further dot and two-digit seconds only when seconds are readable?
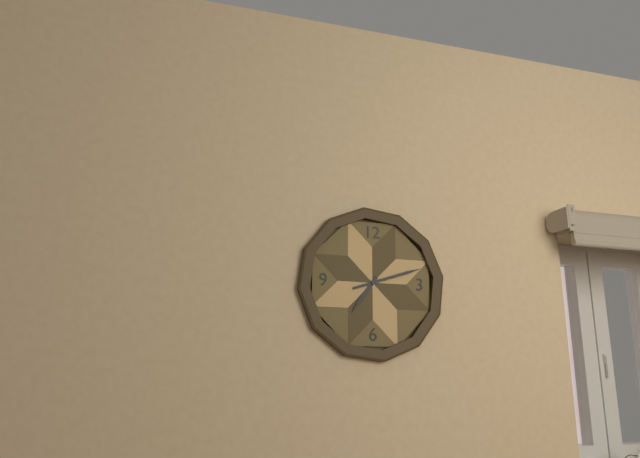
7.12
